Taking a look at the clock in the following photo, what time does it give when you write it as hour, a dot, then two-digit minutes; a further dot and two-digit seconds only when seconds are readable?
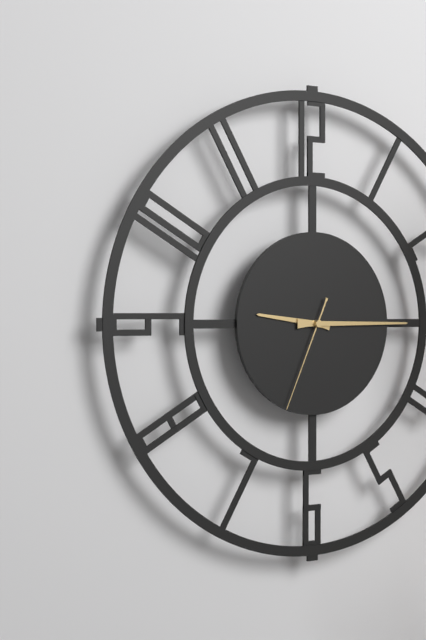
9.15.34
